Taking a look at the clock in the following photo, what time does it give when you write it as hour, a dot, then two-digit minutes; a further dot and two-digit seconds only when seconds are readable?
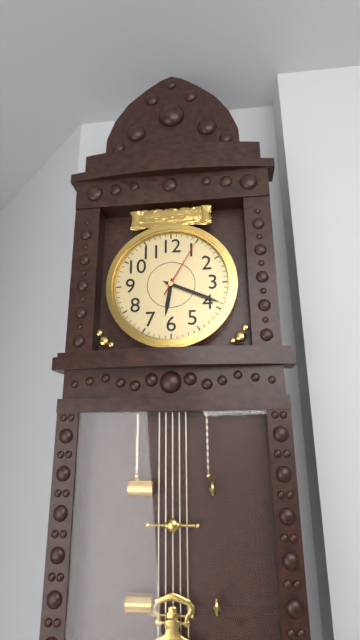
6.19.05
